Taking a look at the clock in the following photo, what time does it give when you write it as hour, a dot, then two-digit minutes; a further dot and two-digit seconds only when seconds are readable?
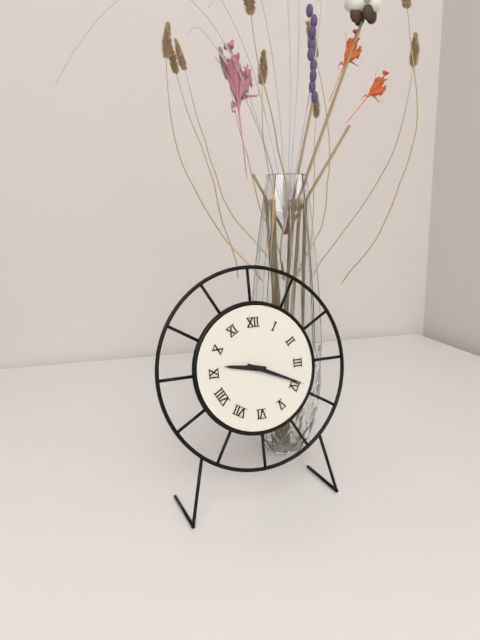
9.19
